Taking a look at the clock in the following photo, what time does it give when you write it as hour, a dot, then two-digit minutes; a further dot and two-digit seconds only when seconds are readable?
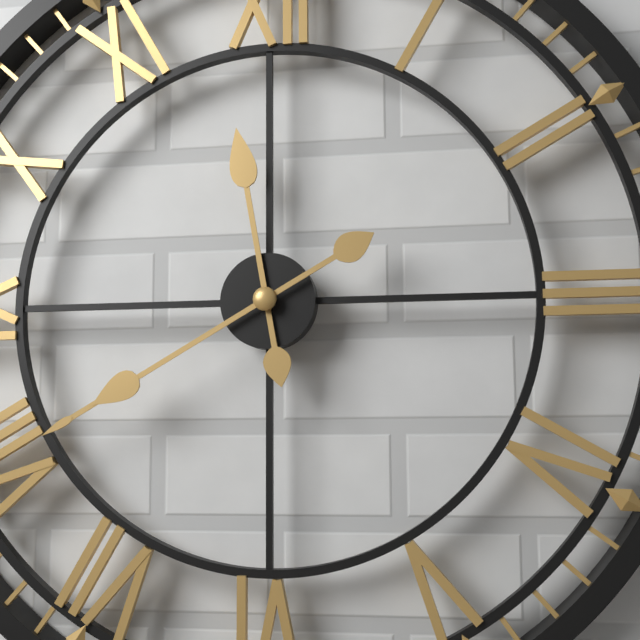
11.40
